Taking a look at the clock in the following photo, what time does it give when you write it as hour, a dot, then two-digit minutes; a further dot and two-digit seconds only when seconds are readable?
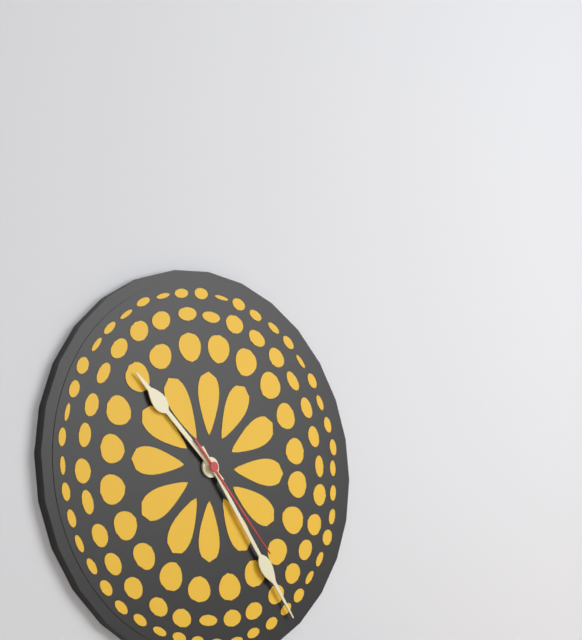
10.24.23
